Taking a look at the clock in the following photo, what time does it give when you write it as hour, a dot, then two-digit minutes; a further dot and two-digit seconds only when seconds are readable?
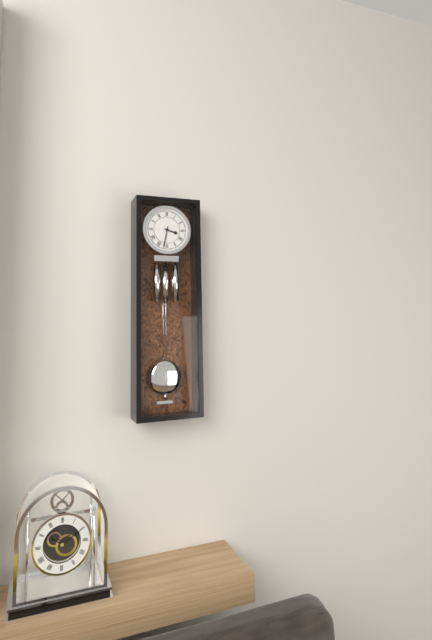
3.32
